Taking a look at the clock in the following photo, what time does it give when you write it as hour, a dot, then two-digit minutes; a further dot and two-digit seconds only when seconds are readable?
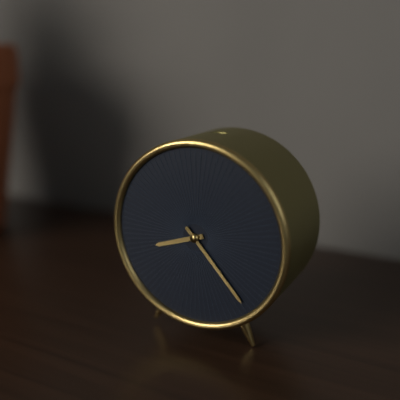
8.23
